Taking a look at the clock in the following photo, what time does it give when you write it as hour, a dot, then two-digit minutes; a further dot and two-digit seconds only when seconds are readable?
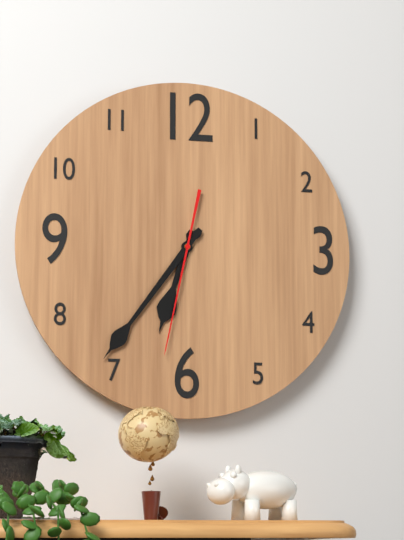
6.36.32
